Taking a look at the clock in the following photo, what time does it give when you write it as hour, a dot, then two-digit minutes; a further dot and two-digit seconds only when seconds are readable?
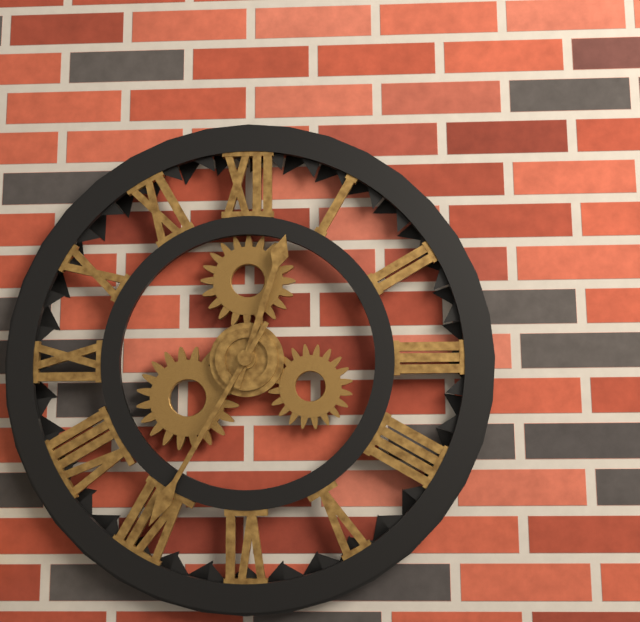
12.35
